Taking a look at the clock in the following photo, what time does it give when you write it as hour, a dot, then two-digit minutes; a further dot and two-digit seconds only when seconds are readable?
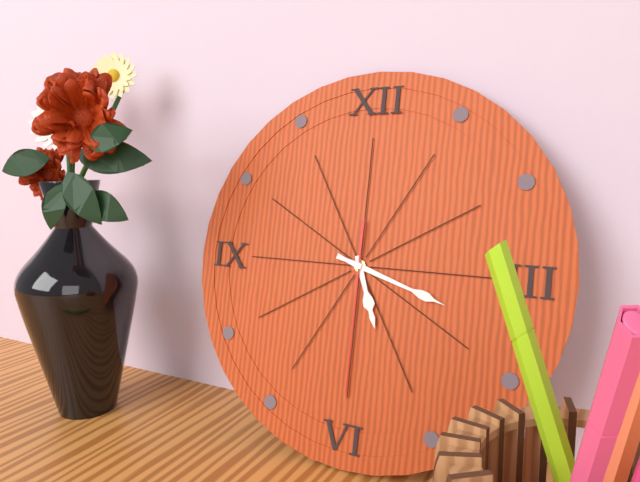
5.18.30
